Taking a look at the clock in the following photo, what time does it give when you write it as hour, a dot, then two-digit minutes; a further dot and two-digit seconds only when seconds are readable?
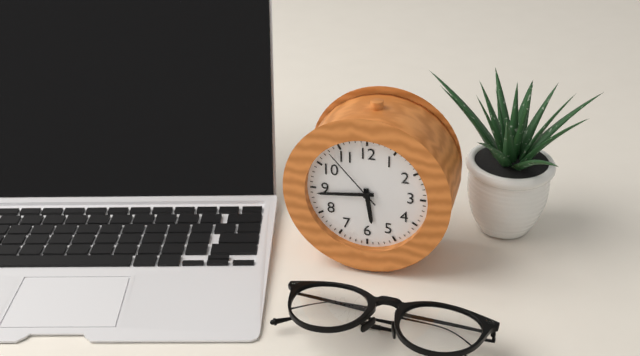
5.44.53
